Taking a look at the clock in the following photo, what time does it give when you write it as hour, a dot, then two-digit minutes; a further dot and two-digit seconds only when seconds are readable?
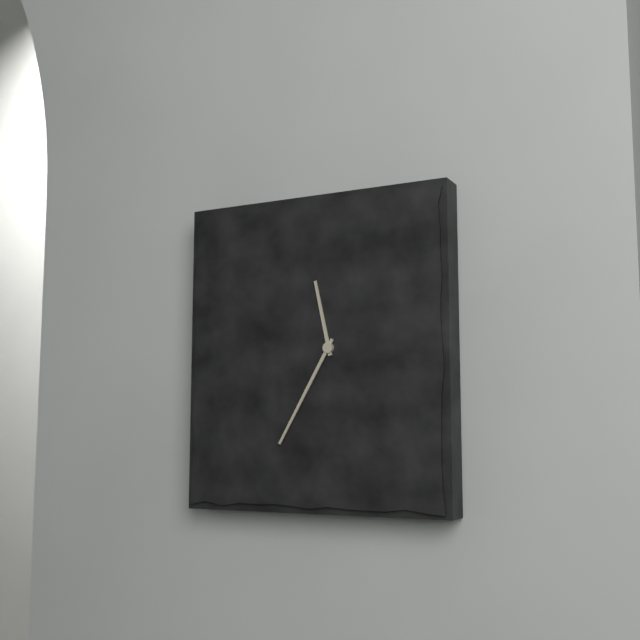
11.35
